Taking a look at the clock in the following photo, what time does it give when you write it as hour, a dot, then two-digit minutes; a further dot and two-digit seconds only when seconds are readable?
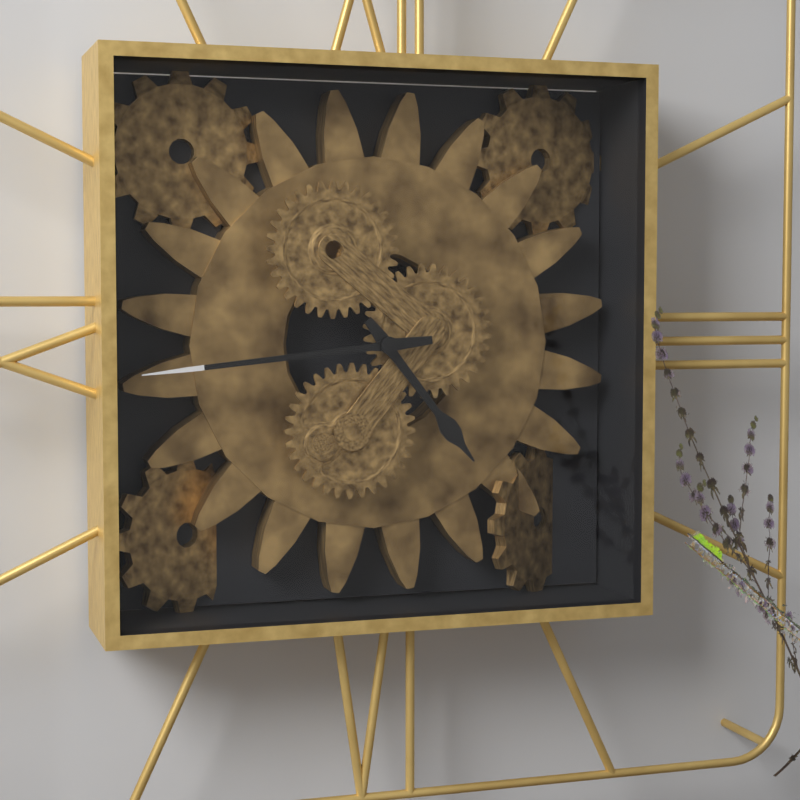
4.44
